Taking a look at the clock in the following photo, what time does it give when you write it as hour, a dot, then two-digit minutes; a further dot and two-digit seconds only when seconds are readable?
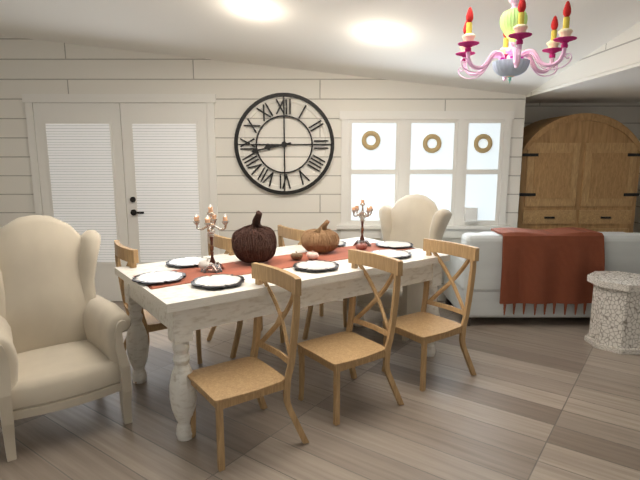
8.43
